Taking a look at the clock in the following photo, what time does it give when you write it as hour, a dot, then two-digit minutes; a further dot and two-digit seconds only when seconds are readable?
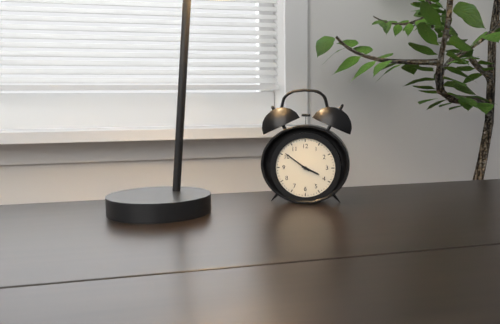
3.51
